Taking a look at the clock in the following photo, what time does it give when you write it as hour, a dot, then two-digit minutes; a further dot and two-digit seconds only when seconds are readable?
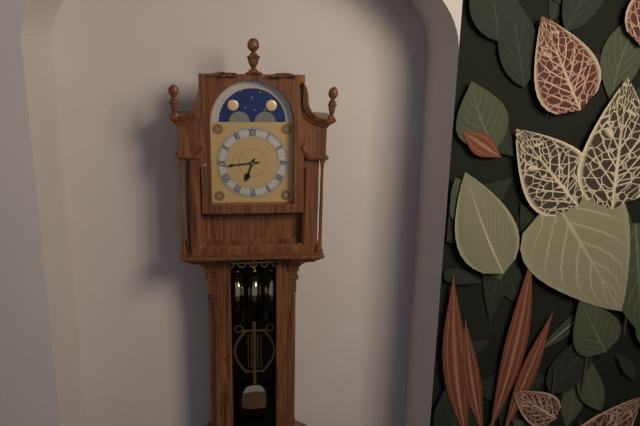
6.44
